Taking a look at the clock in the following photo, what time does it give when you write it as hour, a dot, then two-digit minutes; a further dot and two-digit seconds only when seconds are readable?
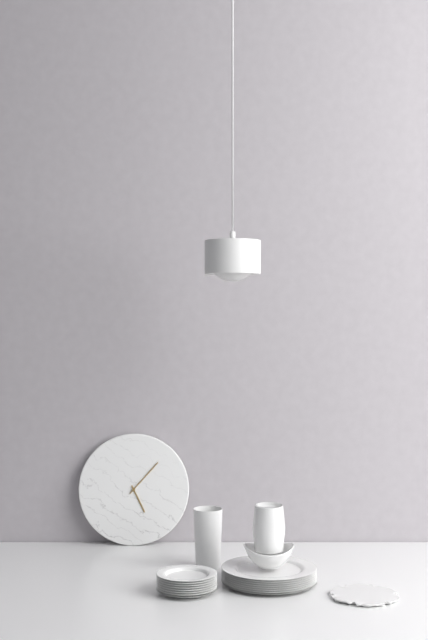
5.07
